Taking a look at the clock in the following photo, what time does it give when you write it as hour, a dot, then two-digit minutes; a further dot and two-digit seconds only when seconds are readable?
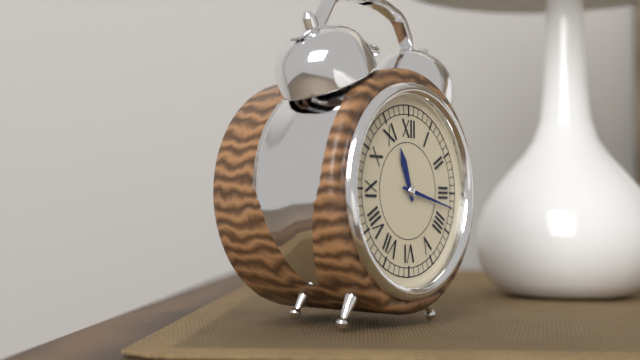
11.17
